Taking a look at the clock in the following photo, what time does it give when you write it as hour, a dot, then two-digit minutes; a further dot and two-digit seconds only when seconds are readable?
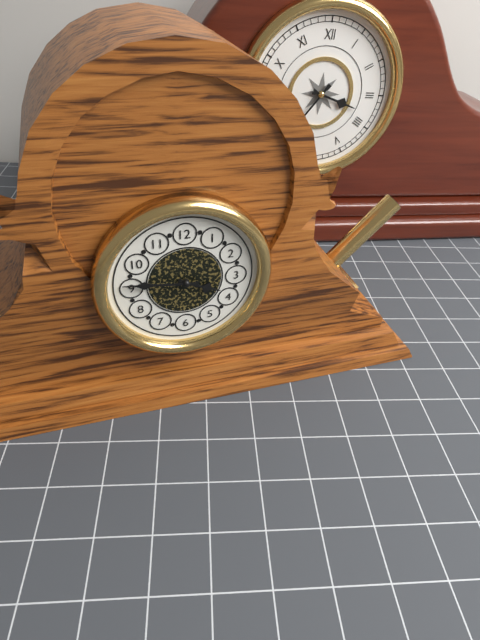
3.46
